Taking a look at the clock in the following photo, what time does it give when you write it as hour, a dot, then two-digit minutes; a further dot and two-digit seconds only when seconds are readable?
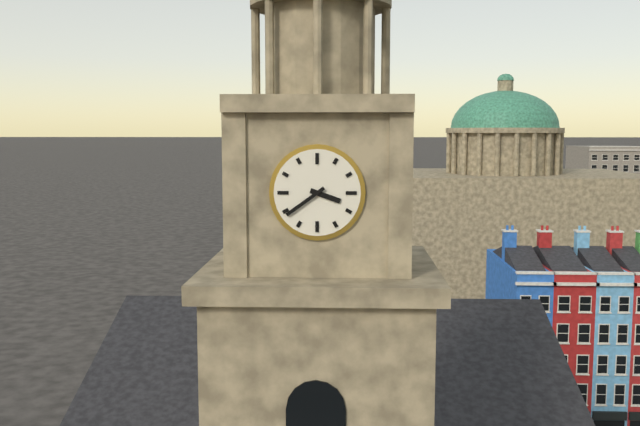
3.39
